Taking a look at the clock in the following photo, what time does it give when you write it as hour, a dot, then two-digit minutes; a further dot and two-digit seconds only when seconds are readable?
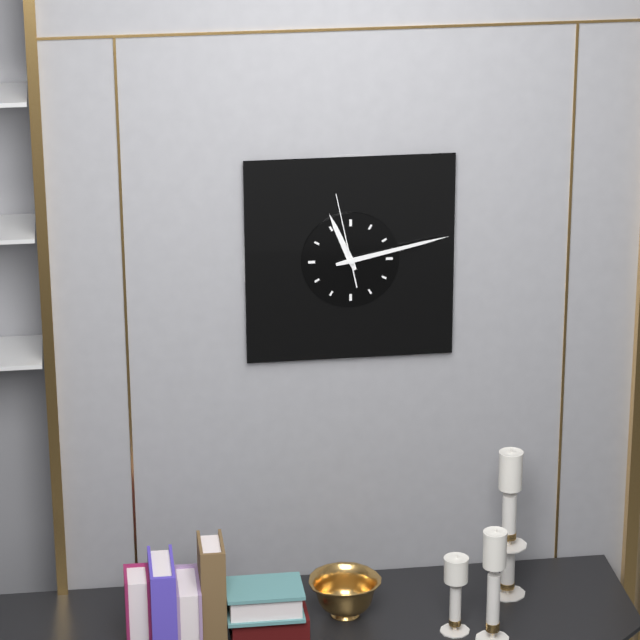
11.13.58
